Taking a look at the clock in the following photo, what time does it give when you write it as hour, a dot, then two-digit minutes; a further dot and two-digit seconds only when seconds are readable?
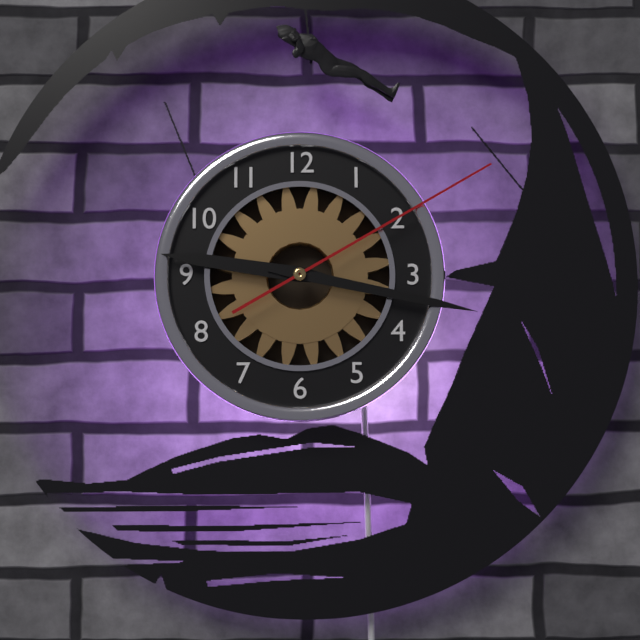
9.17.10
